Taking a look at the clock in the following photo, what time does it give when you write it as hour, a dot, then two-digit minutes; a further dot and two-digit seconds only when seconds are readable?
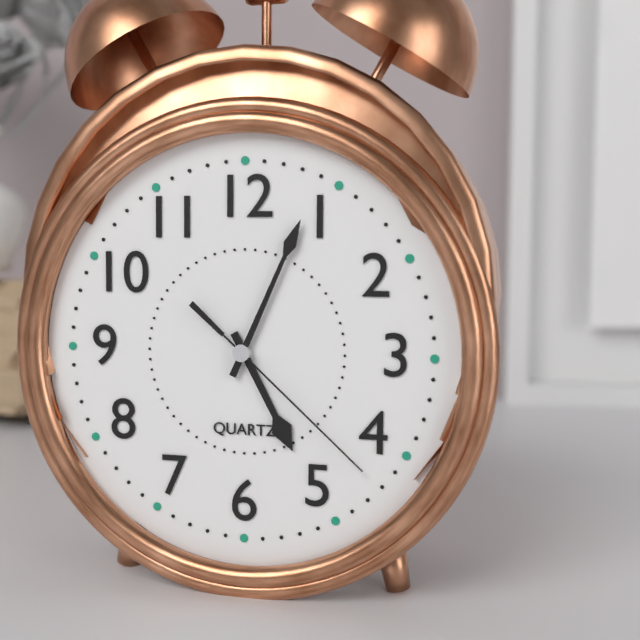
5.04.22
